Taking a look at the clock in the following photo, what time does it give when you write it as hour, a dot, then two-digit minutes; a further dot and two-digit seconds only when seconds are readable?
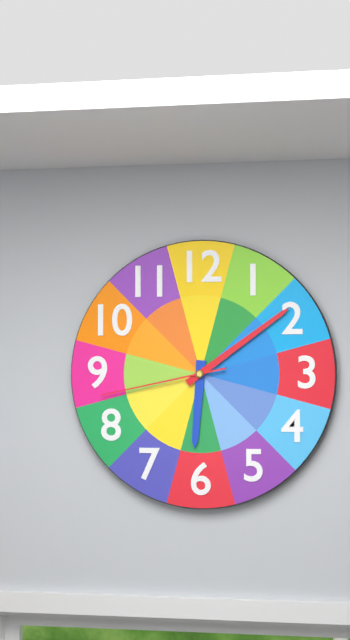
6.09.43
